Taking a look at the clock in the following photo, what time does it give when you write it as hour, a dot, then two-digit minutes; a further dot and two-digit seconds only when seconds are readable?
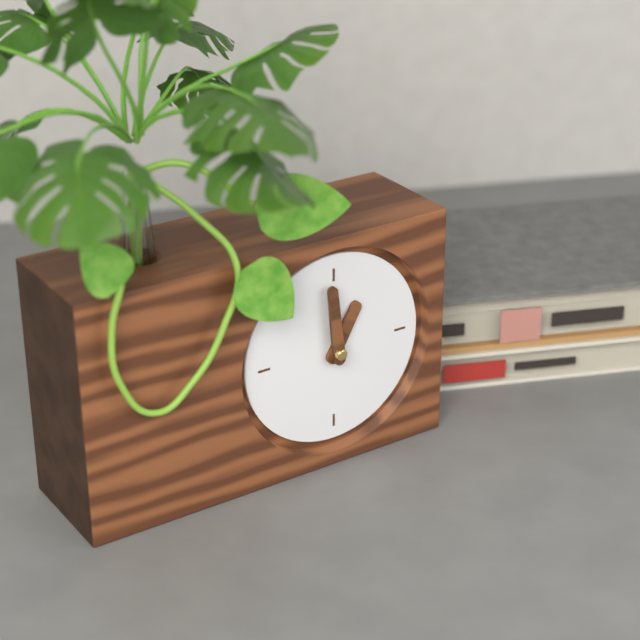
12.59
